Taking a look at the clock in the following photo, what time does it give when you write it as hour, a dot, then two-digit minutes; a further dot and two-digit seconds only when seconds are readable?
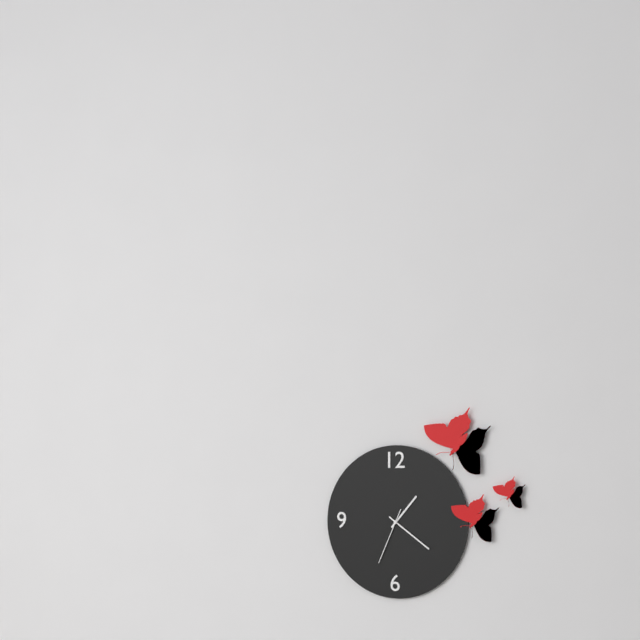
1.21.34
